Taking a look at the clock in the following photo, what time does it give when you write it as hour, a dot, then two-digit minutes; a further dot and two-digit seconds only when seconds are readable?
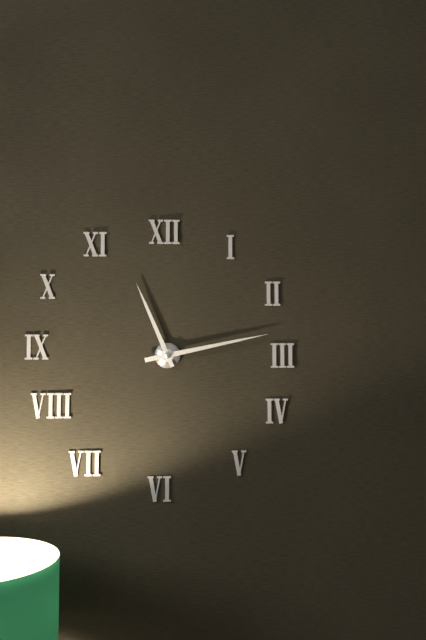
11.13
